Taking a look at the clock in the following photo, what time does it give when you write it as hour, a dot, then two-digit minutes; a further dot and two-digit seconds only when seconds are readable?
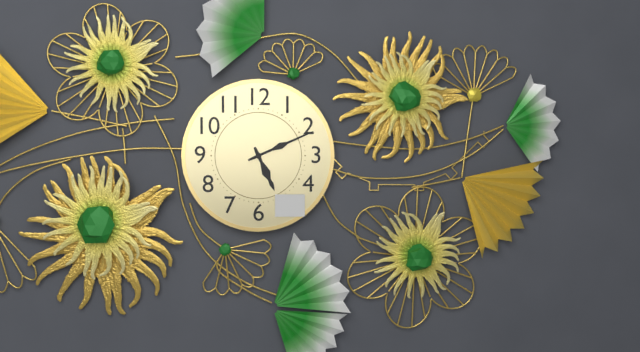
5.11
